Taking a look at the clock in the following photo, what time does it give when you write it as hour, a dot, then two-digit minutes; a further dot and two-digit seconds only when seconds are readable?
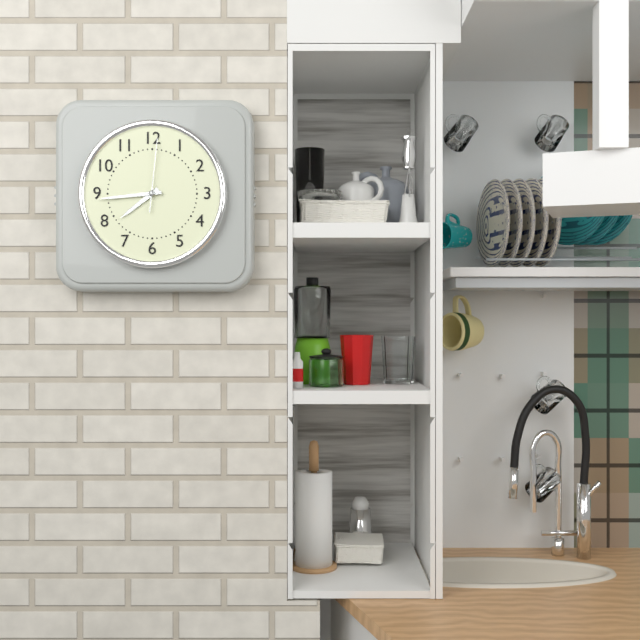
7.44.01
